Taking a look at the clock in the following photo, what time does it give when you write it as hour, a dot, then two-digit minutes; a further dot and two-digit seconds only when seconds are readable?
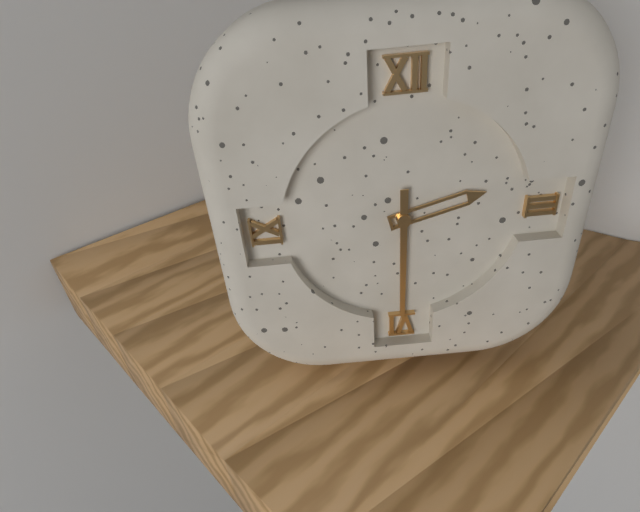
2.30
